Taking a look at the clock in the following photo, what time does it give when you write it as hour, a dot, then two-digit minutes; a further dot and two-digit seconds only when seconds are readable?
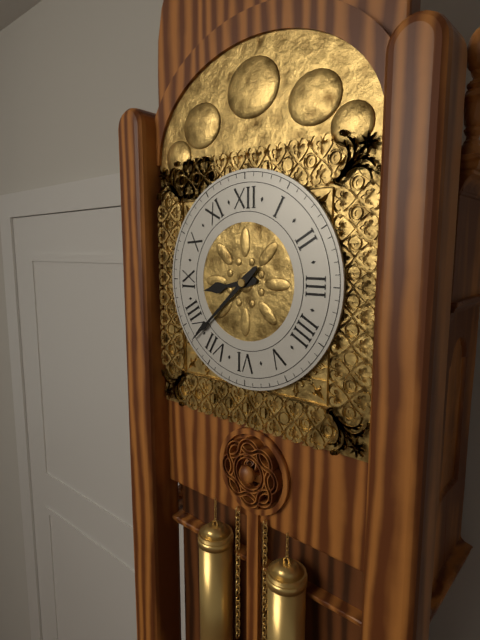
8.38
